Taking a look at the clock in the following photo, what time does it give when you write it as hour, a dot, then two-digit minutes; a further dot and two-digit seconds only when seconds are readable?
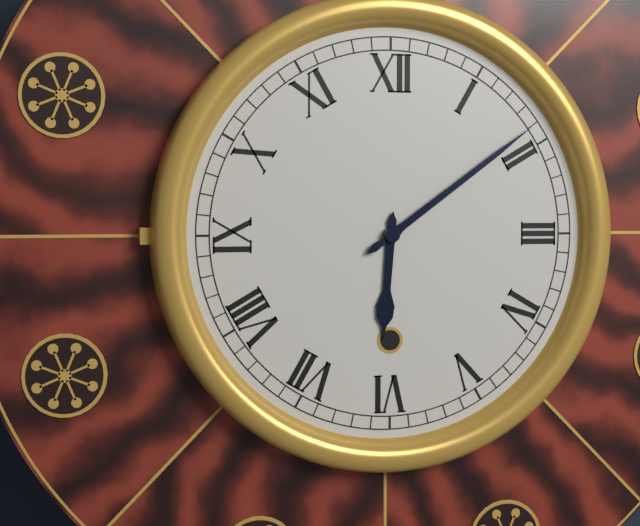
6.09
